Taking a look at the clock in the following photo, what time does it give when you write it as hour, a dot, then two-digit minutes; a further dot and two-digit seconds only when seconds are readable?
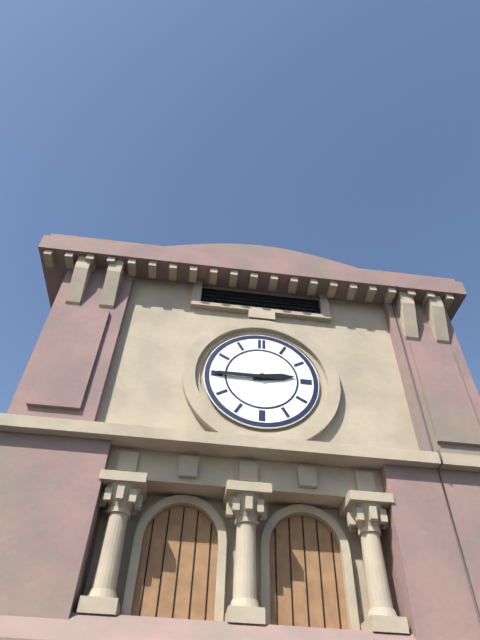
2.45
